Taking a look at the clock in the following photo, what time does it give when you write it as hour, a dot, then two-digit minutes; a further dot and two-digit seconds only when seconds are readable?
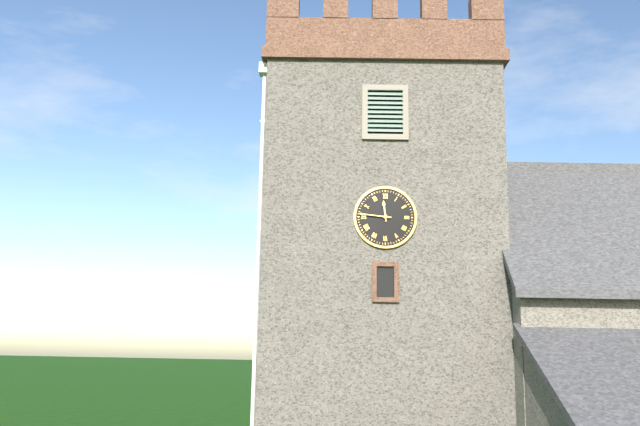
11.46
